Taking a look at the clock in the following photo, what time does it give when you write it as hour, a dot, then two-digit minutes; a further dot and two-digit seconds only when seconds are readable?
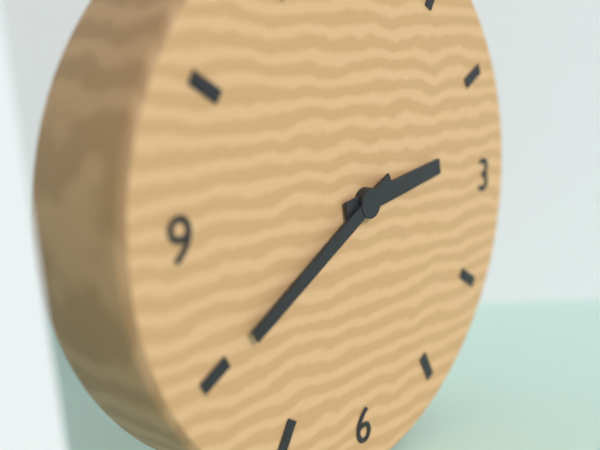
2.40
